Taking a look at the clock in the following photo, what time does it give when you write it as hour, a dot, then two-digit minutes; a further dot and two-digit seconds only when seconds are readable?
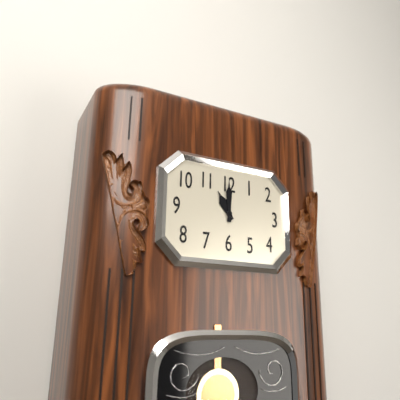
11.00
